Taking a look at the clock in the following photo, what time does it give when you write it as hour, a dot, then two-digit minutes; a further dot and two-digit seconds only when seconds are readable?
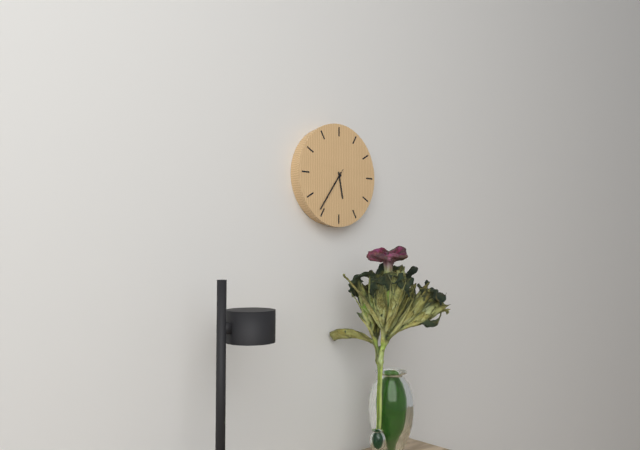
5.36
